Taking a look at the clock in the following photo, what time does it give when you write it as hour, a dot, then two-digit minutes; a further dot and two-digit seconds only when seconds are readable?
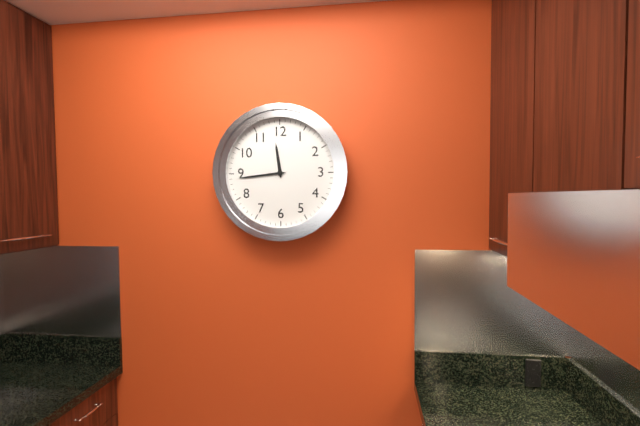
11.44
